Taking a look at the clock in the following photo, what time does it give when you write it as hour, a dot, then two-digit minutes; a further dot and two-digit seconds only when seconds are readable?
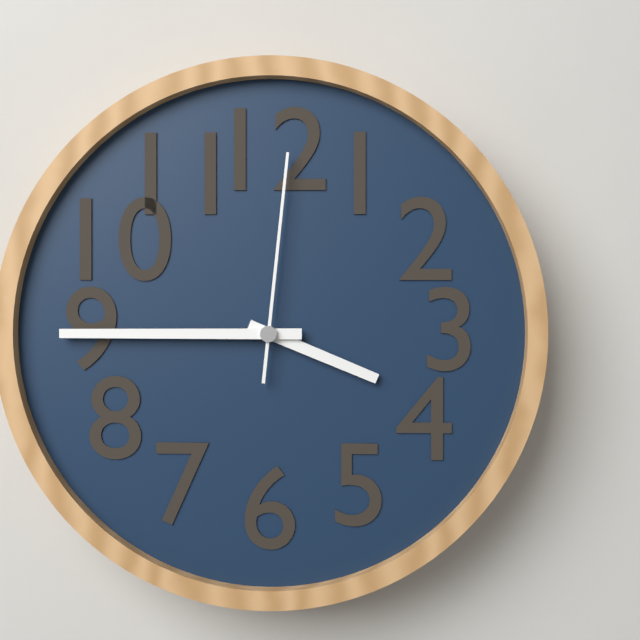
3.45.01
